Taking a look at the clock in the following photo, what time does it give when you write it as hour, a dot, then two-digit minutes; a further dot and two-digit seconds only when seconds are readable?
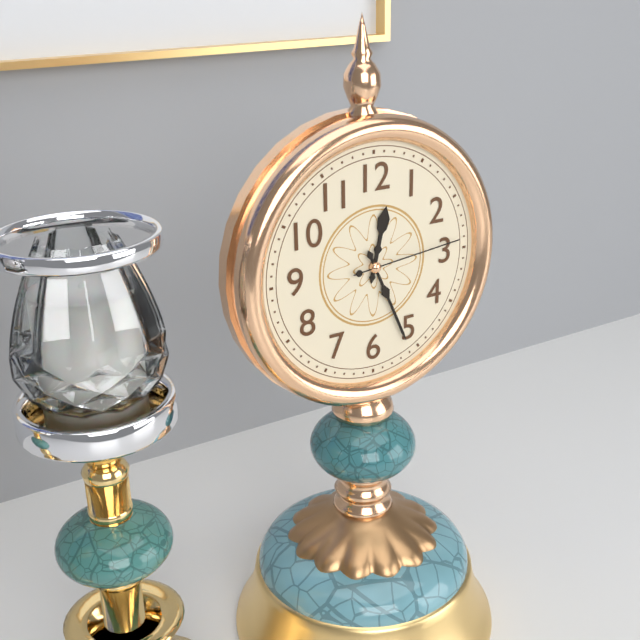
12.26.14
